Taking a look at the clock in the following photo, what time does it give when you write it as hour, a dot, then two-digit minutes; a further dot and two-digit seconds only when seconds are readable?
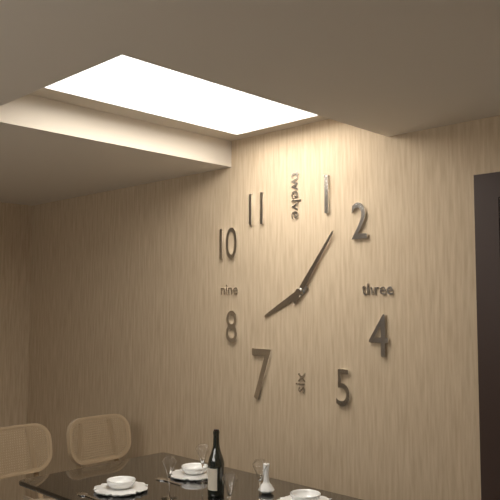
8.06
